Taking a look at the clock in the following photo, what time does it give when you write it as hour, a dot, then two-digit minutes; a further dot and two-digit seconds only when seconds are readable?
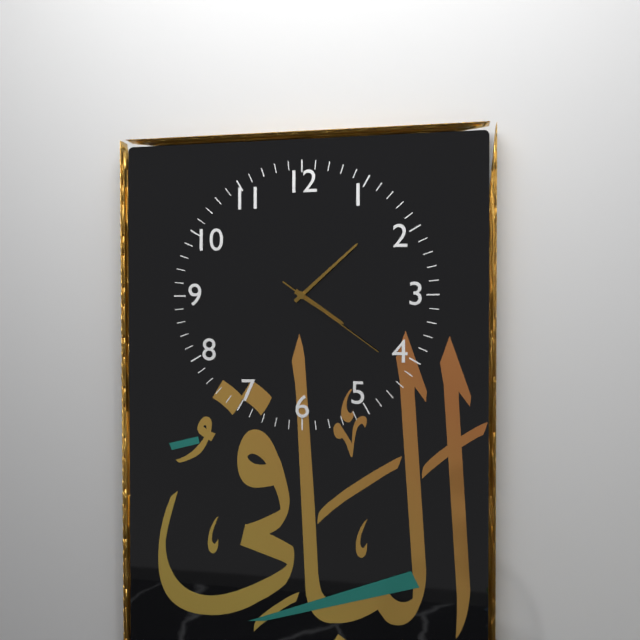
4.08.21
